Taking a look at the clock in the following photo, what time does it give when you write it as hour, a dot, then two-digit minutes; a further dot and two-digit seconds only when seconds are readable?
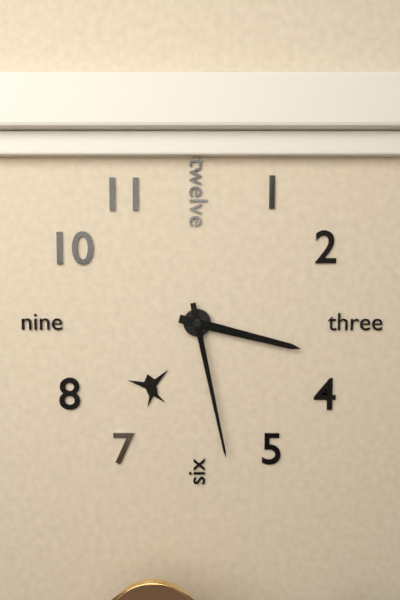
3.28
